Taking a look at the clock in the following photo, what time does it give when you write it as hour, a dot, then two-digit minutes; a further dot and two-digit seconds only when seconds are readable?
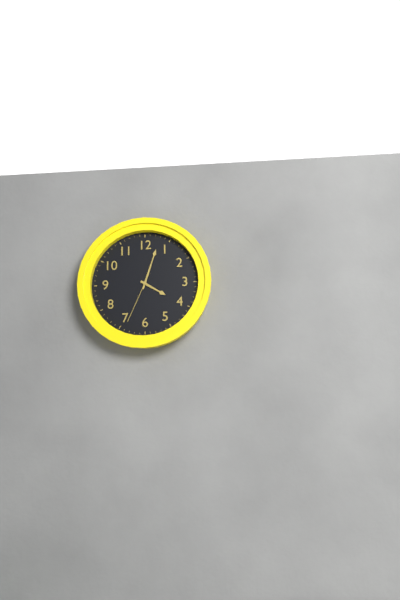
4.03.34
